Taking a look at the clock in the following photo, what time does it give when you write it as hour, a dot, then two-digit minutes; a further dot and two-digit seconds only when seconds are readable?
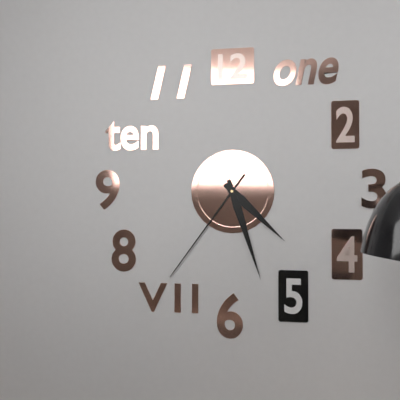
4.27.36
